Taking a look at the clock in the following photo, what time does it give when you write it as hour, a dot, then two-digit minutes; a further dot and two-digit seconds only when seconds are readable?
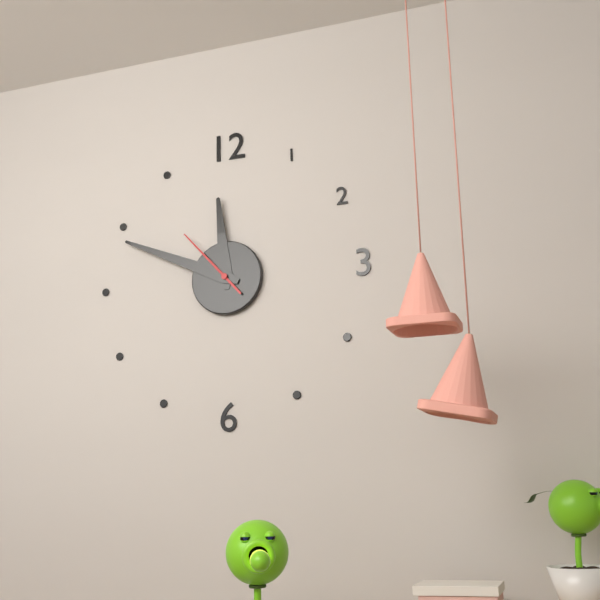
11.49.53
